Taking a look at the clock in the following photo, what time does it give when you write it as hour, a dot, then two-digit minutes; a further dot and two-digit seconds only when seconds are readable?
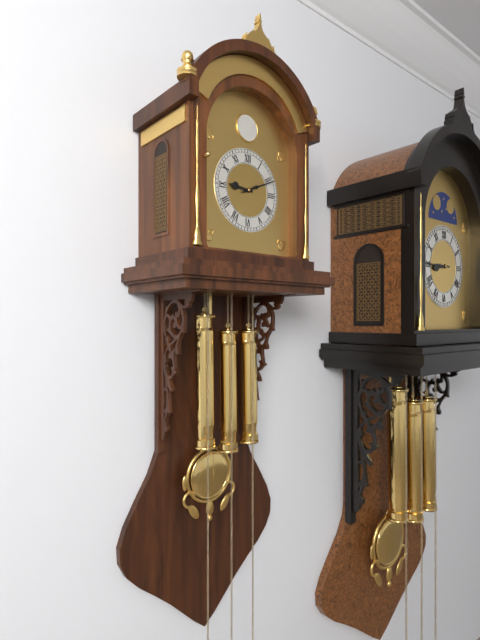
9.11
